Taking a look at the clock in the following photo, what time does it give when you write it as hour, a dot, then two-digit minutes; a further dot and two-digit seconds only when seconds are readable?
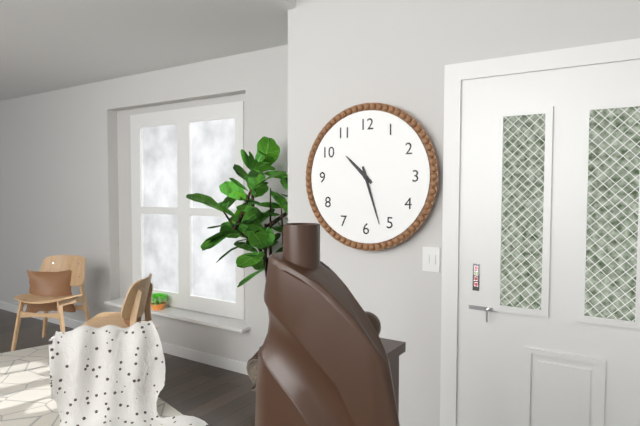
10.27
